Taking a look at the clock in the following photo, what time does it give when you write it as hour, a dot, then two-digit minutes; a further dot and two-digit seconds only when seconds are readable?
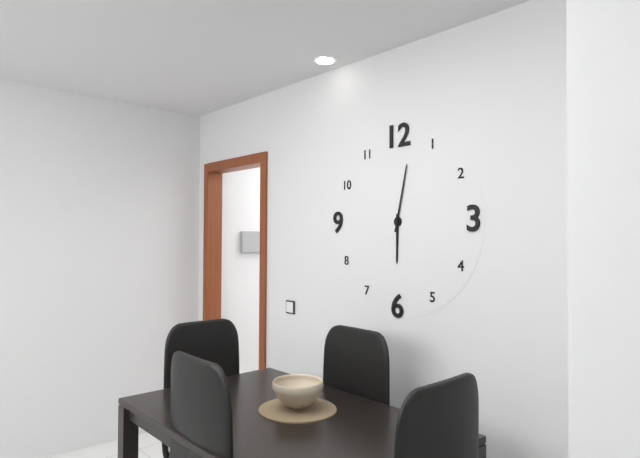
6.02
